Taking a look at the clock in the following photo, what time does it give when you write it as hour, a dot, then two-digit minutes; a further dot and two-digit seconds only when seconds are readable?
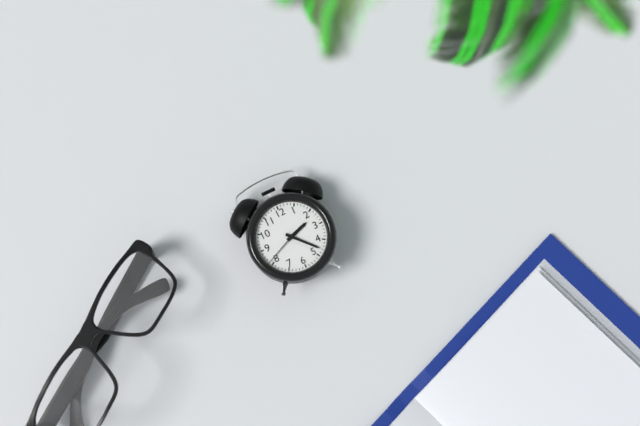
2.23
